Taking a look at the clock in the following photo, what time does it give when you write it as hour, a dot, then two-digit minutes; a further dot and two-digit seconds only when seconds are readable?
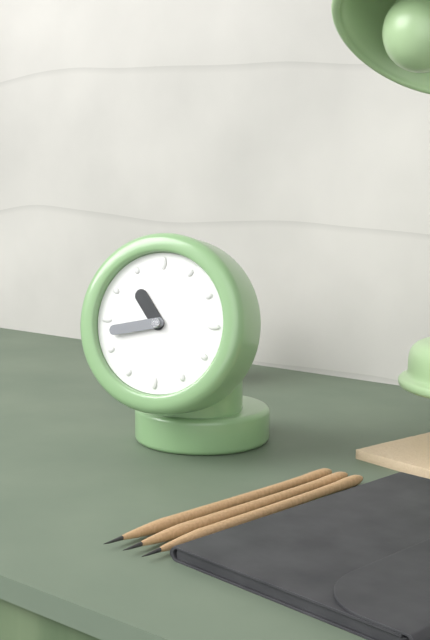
10.43
